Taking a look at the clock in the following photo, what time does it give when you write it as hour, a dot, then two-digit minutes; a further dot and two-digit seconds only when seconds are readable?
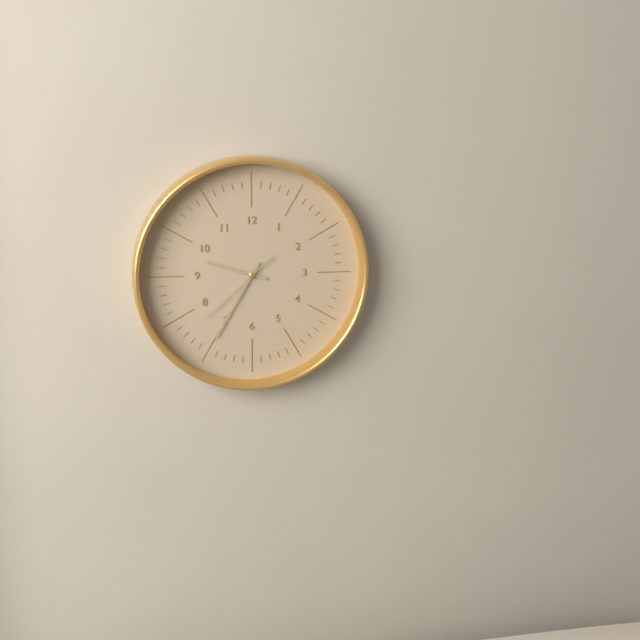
9.35.38
